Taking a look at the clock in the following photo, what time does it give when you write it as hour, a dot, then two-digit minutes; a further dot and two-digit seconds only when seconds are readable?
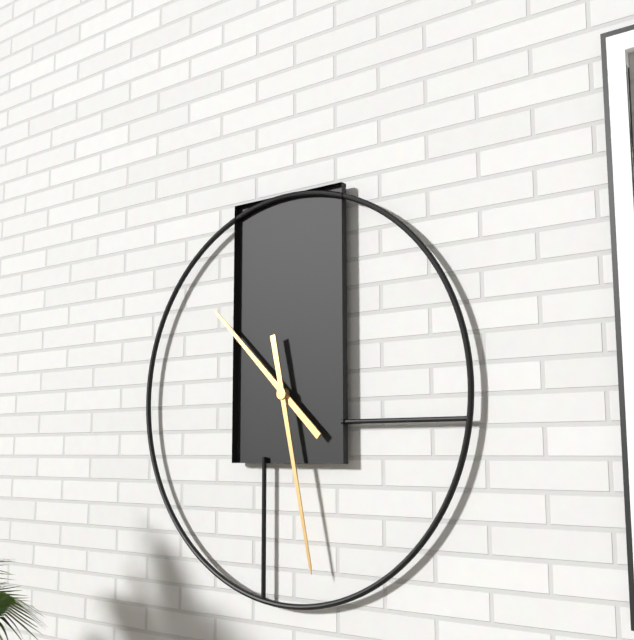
10.28
